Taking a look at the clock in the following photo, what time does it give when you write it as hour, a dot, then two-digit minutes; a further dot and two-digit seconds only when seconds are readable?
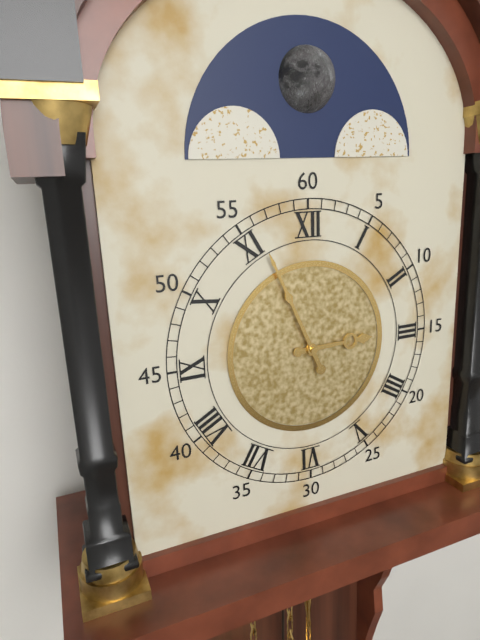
2.56
